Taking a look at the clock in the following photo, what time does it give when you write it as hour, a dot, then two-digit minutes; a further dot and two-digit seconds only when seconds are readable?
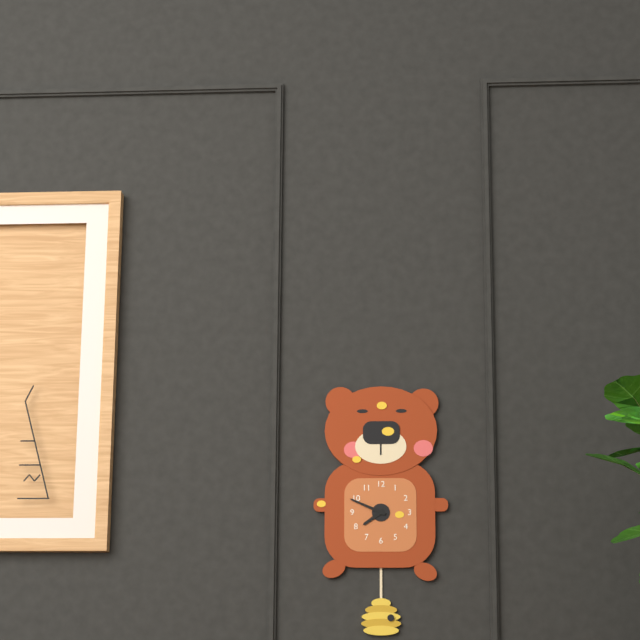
7.49
